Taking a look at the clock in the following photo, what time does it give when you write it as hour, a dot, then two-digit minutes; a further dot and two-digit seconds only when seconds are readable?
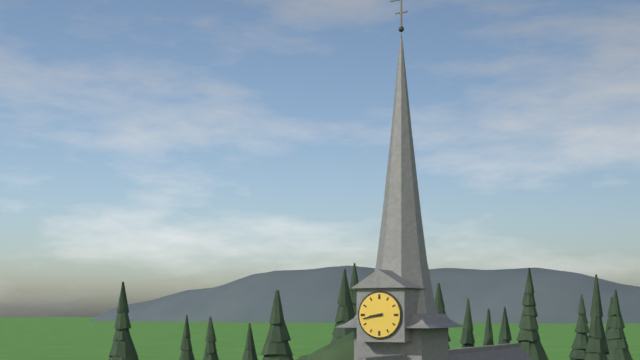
8.43
